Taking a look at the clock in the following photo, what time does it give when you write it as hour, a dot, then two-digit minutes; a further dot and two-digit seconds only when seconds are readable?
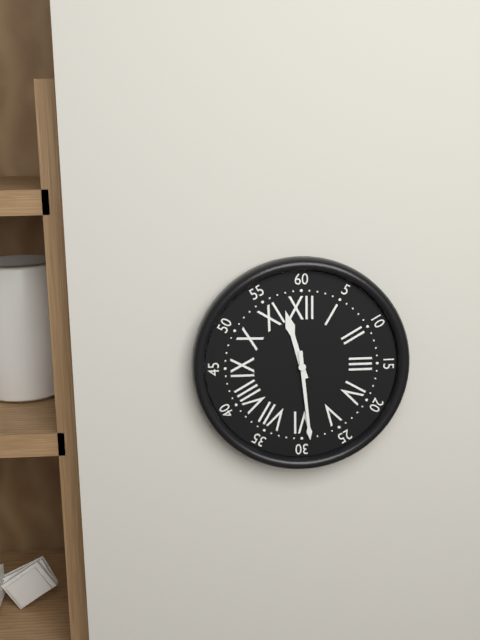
11.29
